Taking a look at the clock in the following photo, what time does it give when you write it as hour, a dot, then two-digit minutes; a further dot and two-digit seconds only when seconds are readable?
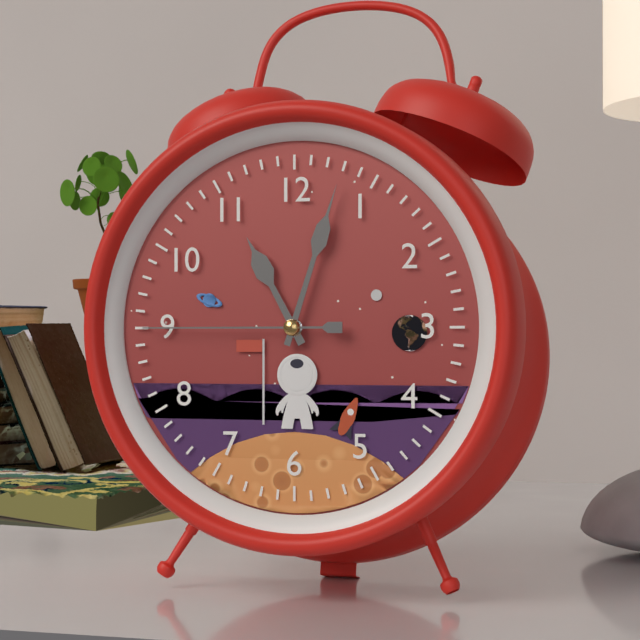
11.03.45
